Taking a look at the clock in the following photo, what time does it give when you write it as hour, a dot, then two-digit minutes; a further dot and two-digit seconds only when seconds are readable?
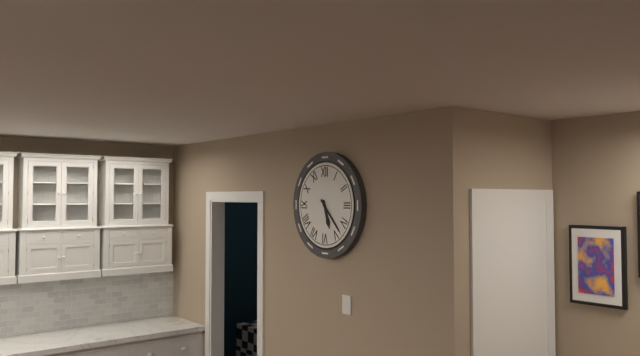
5.23
